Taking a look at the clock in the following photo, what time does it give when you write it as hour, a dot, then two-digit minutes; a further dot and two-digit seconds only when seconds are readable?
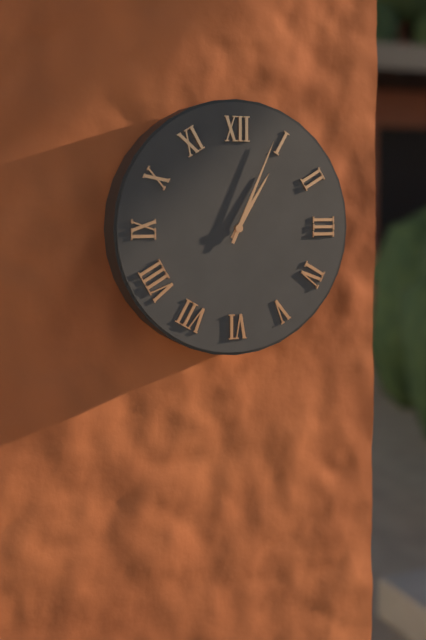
1.04
